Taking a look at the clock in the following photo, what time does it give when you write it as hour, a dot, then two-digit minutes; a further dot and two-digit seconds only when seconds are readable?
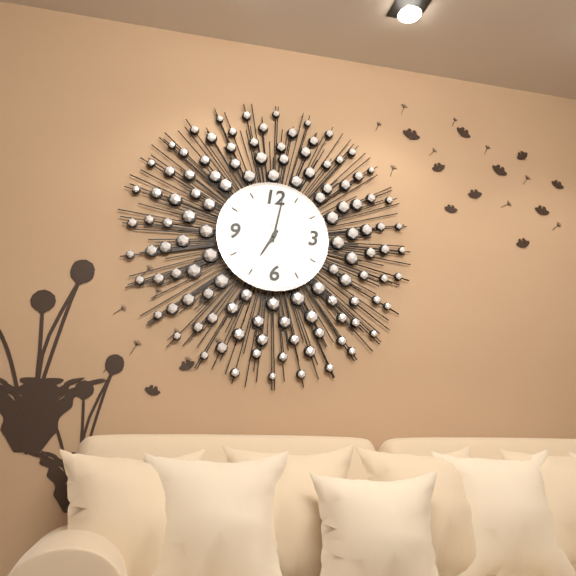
7.02.27
